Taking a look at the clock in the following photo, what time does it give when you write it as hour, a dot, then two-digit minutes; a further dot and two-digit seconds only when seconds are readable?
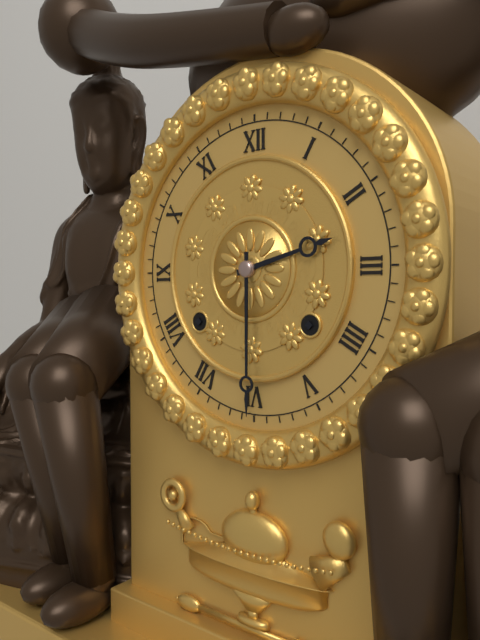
2.30
